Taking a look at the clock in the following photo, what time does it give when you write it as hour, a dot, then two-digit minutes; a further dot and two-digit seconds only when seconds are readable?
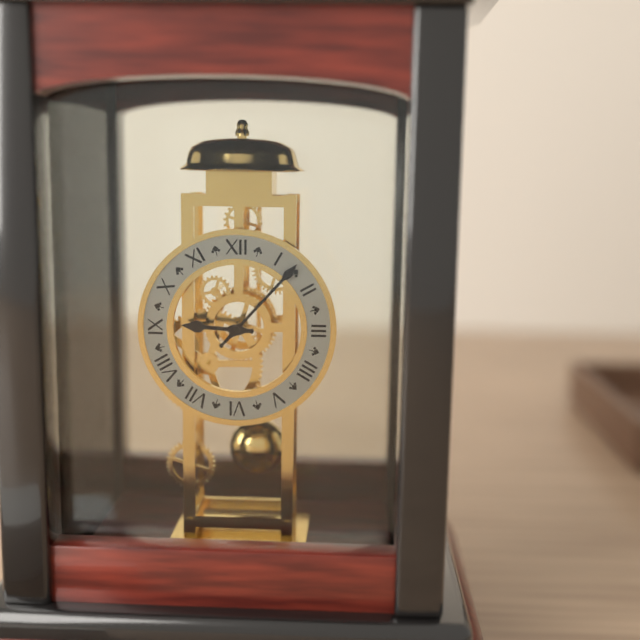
9.07
